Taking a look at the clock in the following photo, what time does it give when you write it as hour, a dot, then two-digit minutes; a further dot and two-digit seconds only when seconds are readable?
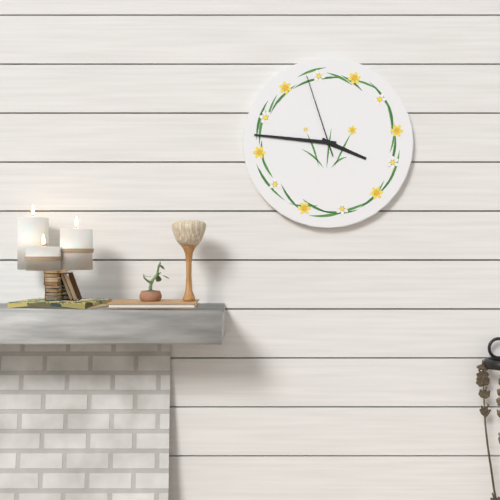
3.46.57
